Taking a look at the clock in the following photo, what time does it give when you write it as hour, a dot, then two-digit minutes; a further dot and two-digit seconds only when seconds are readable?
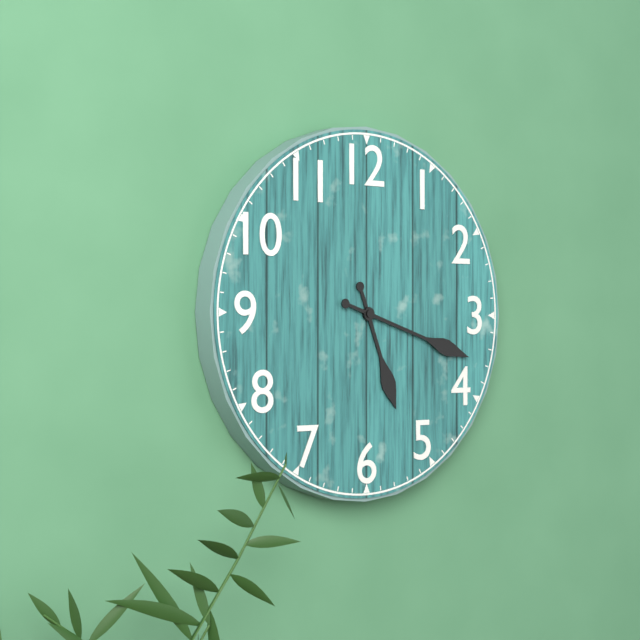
5.18
